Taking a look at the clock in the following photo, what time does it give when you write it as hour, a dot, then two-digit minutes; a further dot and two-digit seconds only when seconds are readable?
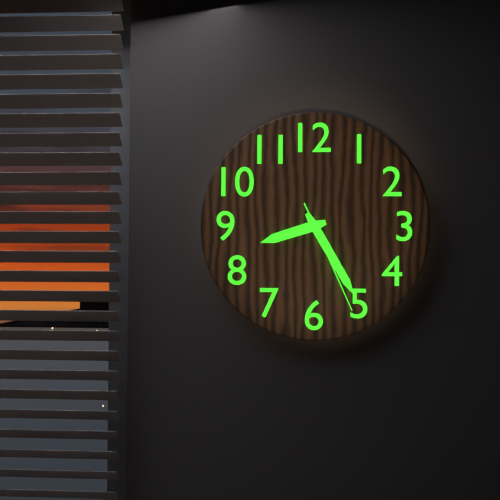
8.25.26
